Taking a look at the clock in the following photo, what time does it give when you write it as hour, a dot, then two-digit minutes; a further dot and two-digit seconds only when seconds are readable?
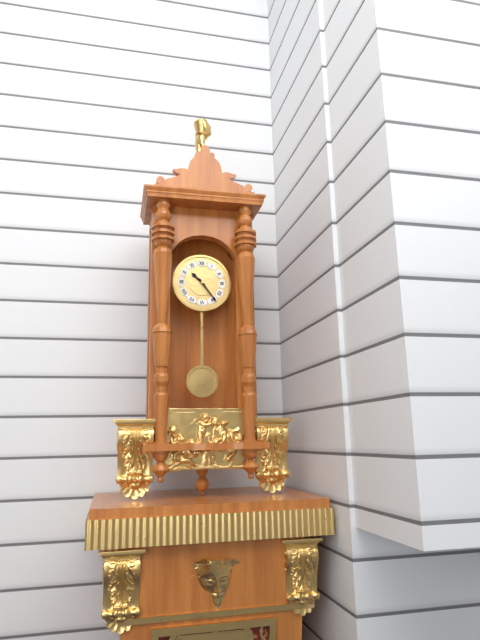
10.24
